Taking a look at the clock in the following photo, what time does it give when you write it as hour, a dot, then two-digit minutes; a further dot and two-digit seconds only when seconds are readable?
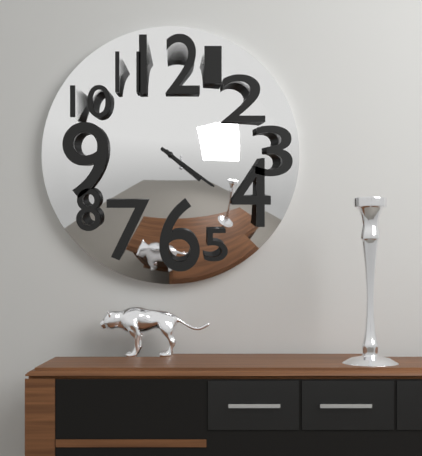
4.21
